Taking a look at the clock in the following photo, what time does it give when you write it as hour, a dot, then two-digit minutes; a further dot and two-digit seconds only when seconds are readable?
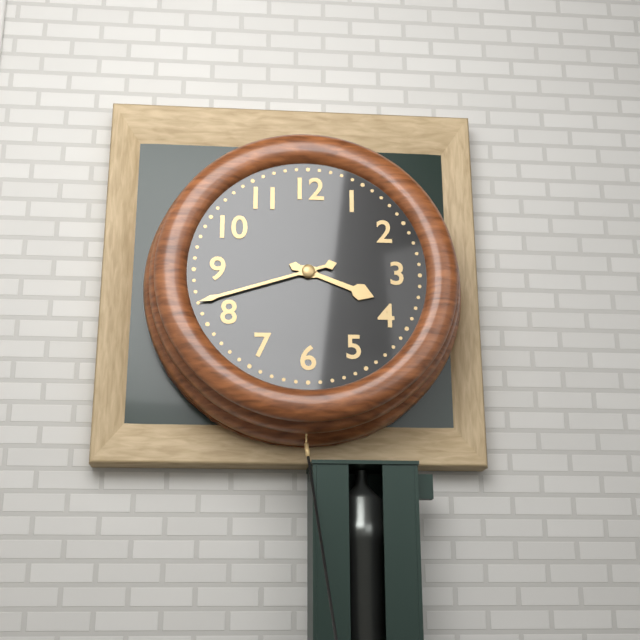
3.42
